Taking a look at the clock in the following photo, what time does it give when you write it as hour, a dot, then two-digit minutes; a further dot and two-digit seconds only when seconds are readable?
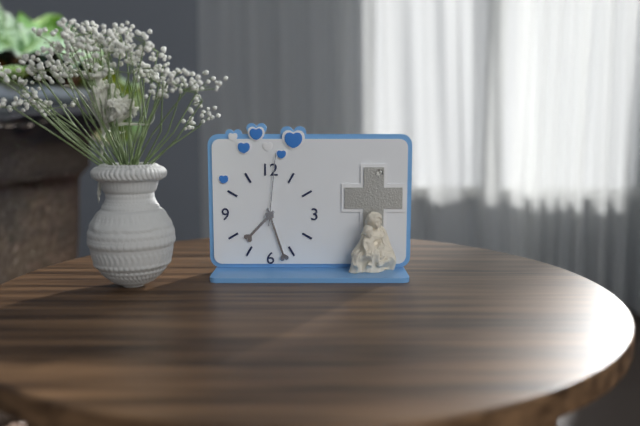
7.27.01
